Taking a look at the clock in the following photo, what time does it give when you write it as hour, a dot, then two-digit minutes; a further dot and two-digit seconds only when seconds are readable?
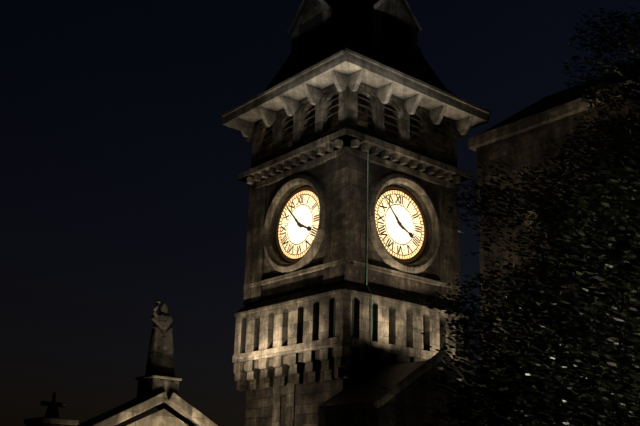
3.53
